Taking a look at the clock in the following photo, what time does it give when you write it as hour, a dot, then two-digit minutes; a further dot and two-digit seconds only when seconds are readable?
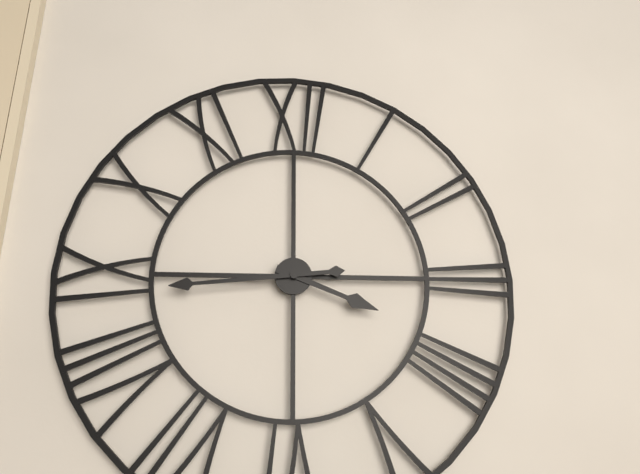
3.44
